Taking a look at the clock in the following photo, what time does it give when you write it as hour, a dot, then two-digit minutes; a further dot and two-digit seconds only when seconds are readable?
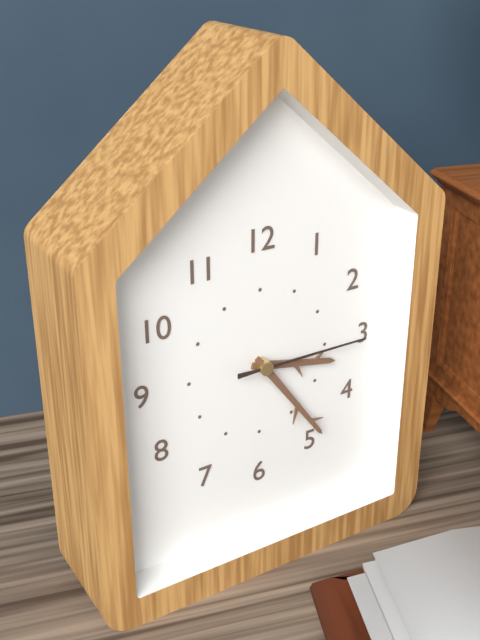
3.24.15
